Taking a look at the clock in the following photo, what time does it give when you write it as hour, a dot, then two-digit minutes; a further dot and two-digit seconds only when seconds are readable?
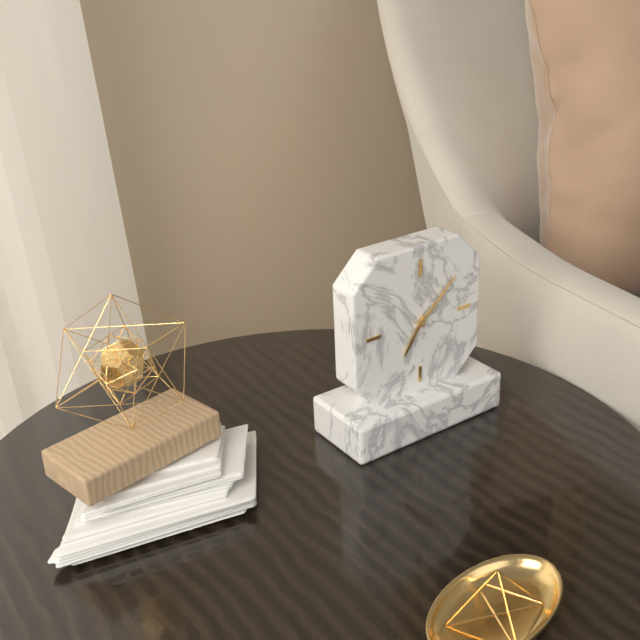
7.08
